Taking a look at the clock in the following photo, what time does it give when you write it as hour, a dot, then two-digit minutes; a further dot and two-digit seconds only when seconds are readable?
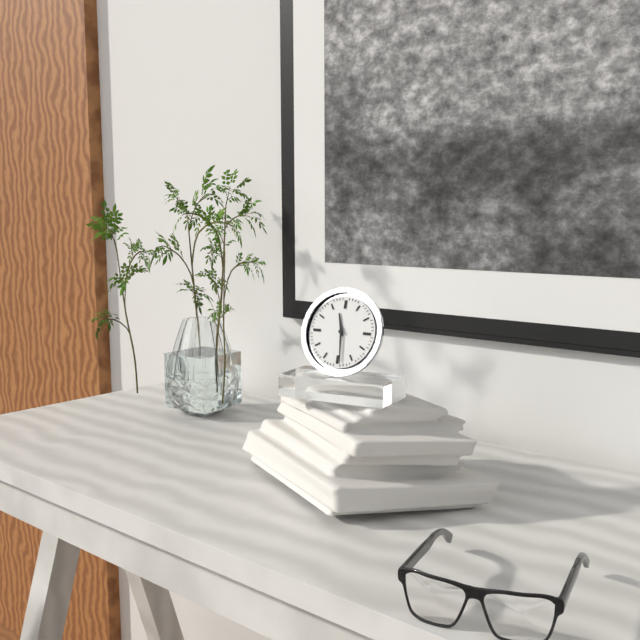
11.29
